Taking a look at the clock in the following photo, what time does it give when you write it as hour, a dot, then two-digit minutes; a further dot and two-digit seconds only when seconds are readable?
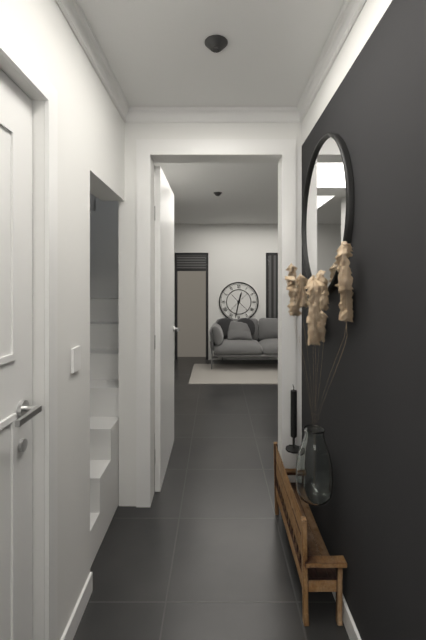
12.32
